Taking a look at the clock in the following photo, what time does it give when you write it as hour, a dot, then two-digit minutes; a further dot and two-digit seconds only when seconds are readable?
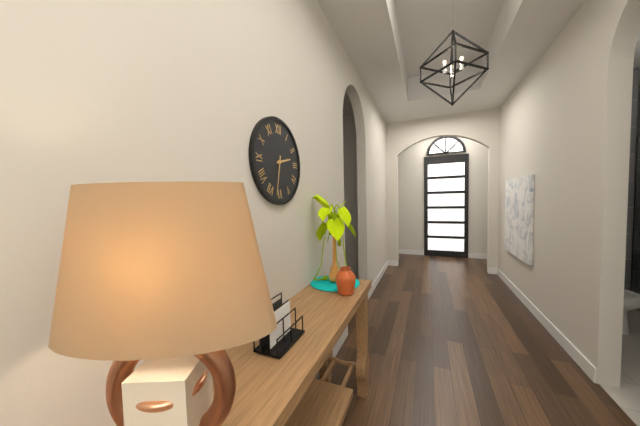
2.32
